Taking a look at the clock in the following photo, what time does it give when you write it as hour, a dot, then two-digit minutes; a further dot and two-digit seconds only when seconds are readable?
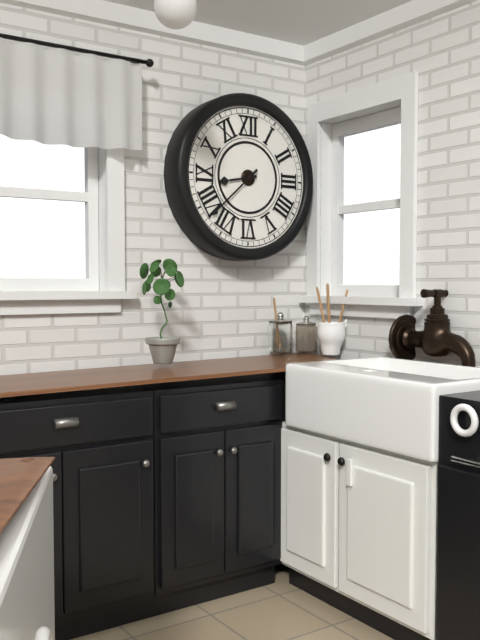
8.38
